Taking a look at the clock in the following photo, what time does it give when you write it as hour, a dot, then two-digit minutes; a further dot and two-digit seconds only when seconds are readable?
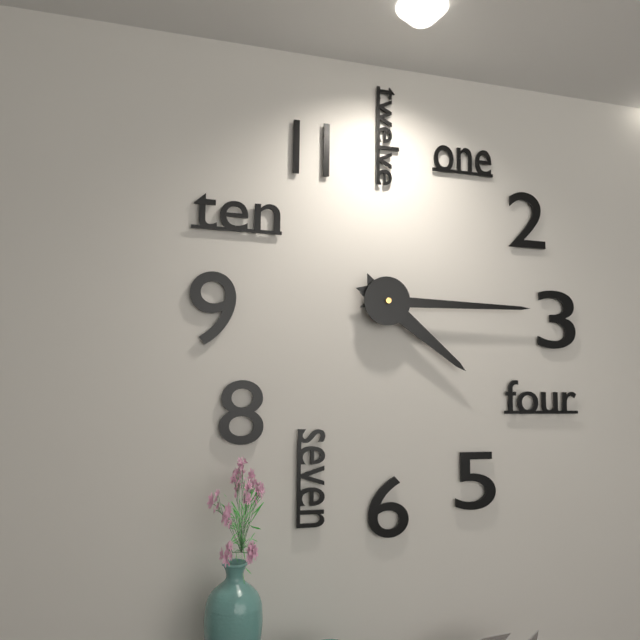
4.15
